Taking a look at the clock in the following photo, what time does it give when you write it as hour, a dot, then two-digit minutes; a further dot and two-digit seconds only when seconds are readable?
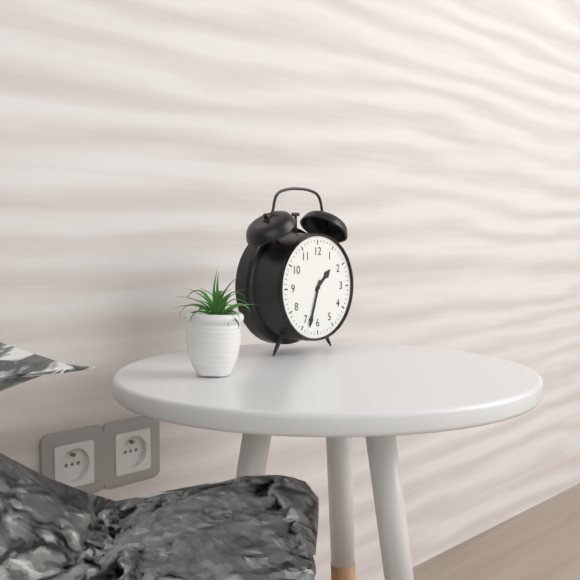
1.33
